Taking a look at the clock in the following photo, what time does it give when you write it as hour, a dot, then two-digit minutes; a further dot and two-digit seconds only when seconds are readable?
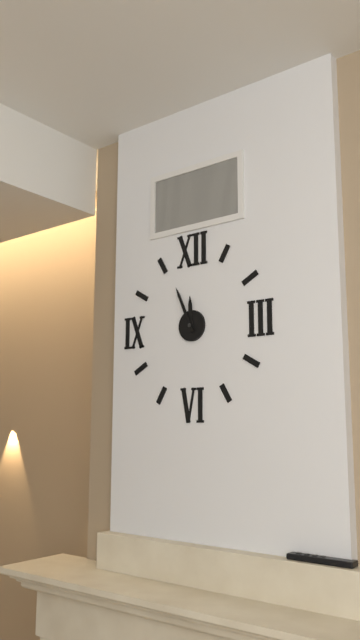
11.56
